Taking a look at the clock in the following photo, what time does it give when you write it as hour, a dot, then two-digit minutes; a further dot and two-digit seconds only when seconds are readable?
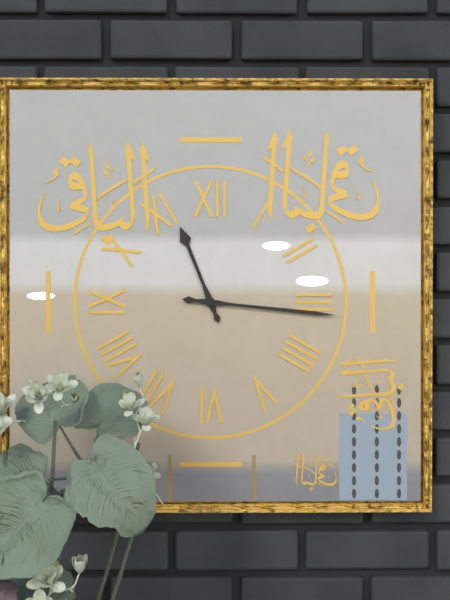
11.16
